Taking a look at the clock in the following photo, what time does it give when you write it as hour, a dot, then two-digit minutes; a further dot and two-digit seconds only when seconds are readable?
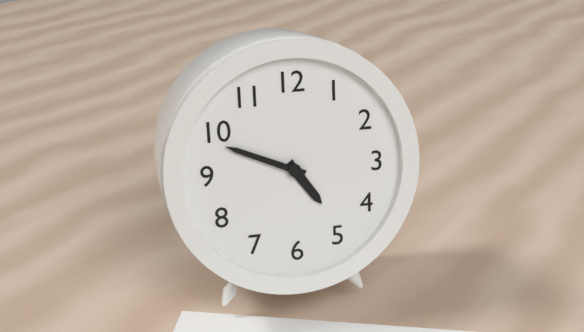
4.49
